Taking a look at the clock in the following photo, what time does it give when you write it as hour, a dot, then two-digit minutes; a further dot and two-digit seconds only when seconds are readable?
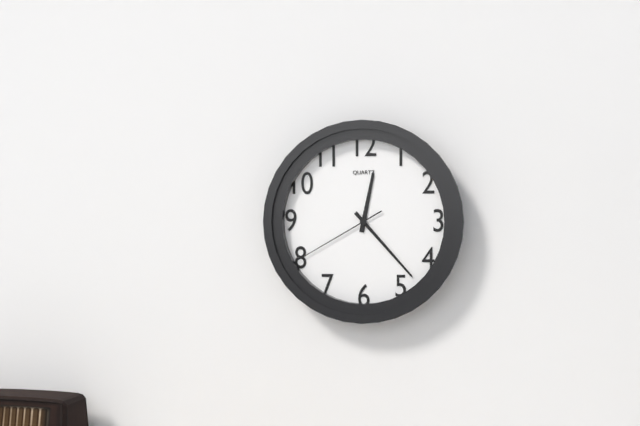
12.23.40
